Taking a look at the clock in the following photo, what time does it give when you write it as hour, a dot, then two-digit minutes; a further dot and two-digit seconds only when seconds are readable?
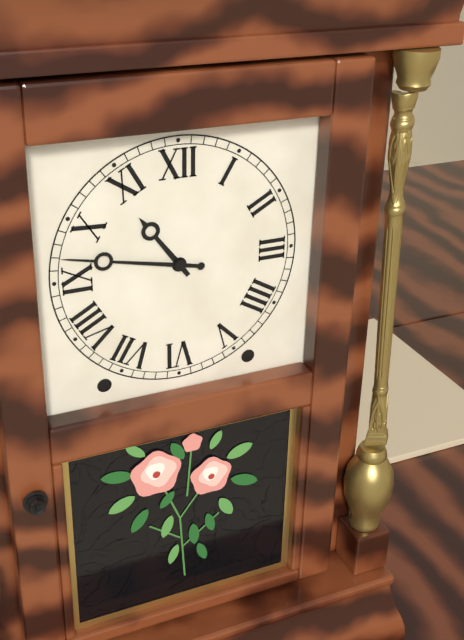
10.47
